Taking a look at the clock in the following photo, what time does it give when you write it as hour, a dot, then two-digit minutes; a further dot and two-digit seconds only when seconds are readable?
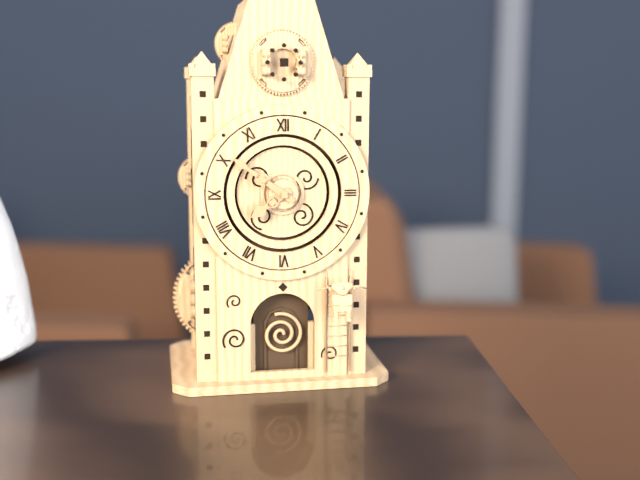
7.51
